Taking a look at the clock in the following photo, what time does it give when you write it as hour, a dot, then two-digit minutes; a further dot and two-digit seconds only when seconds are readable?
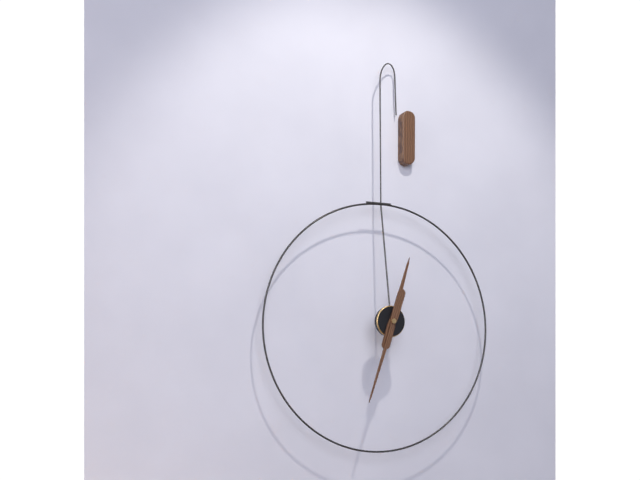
12.33
